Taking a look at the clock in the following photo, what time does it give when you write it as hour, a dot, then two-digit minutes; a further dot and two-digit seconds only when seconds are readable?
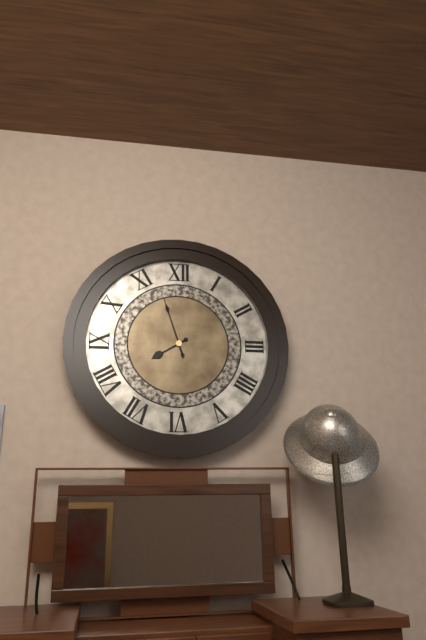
7.57
